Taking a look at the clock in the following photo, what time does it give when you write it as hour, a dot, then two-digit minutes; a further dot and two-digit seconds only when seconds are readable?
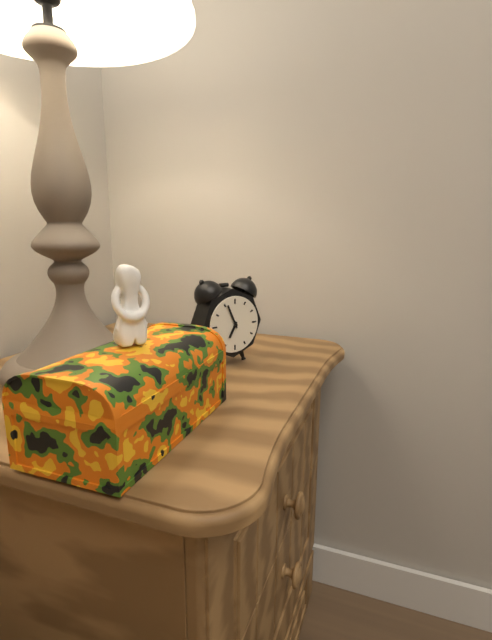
6.56
